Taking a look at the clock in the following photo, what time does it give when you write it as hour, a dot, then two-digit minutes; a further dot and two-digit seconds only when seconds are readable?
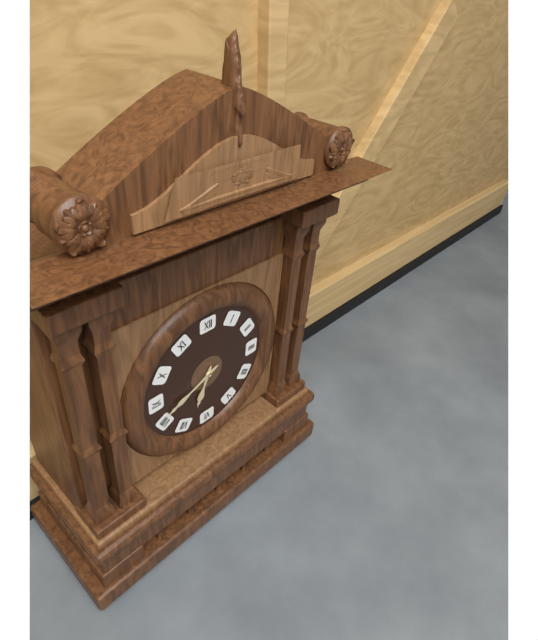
6.41
